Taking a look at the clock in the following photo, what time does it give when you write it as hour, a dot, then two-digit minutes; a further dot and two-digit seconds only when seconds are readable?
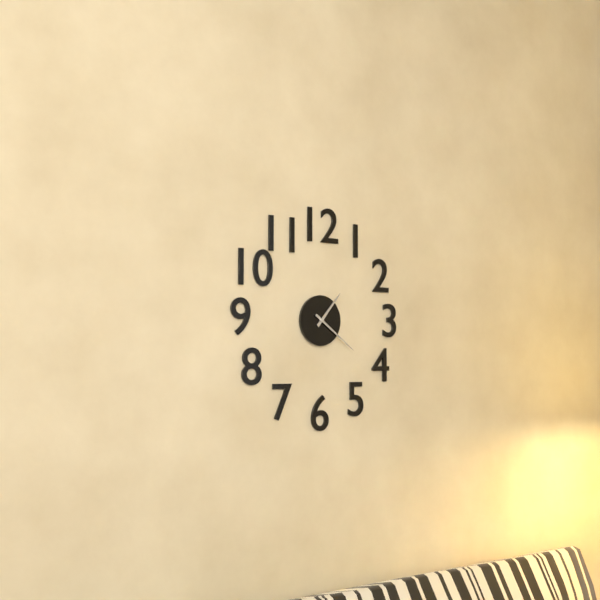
1.21
